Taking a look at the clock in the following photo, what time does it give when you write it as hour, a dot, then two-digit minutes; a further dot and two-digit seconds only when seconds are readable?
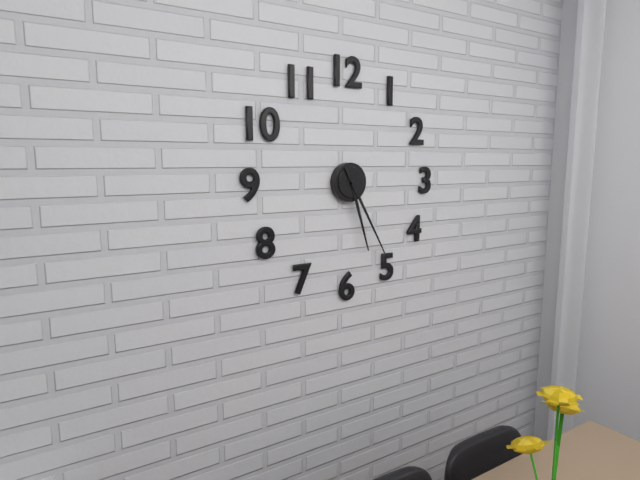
5.25
